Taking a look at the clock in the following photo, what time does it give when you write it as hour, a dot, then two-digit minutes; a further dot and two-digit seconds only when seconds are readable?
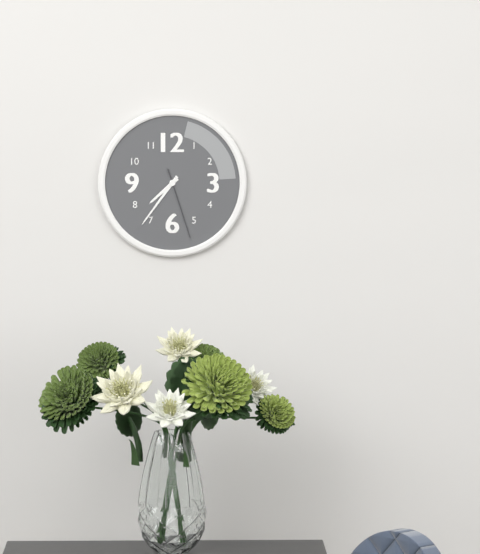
7.36.27
